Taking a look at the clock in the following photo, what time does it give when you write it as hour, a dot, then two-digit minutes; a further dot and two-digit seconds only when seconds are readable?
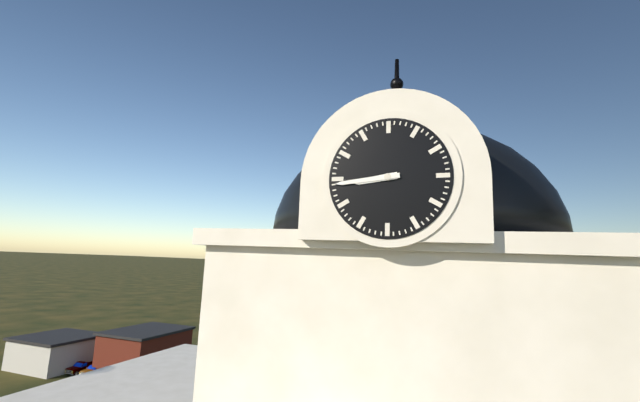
8.44
